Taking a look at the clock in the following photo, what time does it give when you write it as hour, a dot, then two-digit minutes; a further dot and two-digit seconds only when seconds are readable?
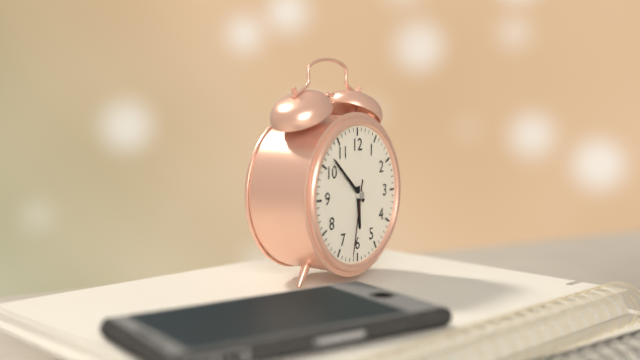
5.52.32
